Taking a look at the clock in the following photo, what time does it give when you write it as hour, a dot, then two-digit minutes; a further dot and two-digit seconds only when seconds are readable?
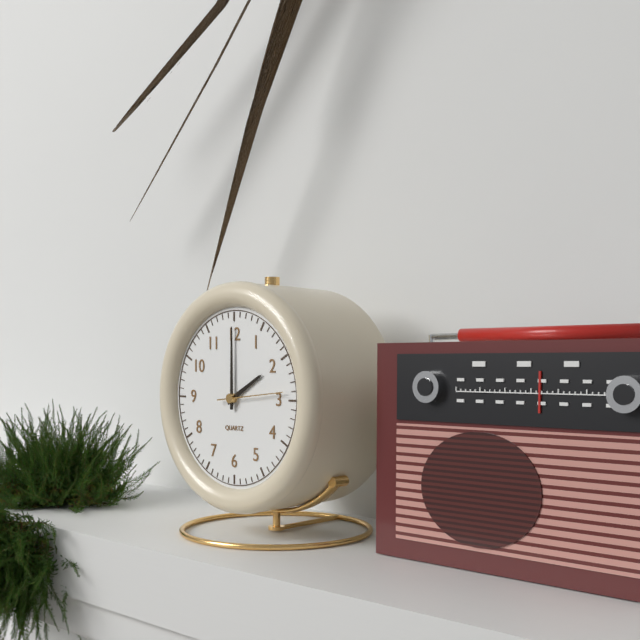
2.00.14
